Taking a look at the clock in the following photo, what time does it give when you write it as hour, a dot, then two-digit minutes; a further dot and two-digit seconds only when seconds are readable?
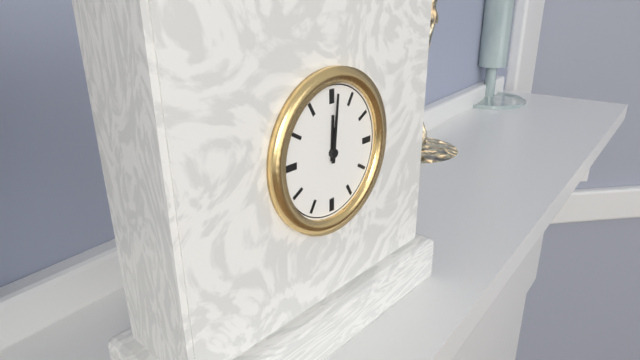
12.01
